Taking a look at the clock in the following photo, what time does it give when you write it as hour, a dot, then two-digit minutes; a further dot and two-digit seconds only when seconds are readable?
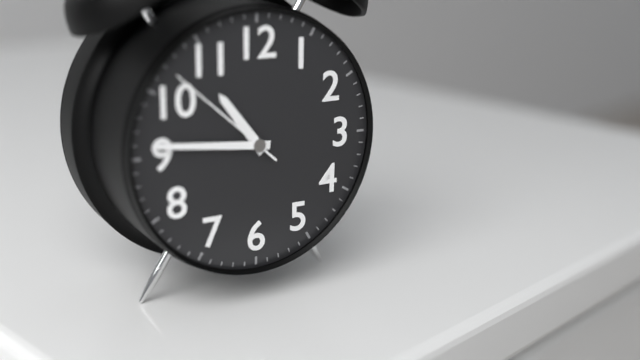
10.46.52
